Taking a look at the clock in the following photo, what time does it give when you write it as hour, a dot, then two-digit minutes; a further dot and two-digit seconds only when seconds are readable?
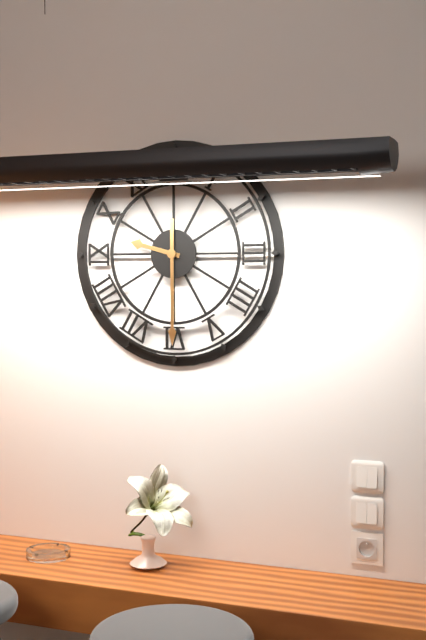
9.30
